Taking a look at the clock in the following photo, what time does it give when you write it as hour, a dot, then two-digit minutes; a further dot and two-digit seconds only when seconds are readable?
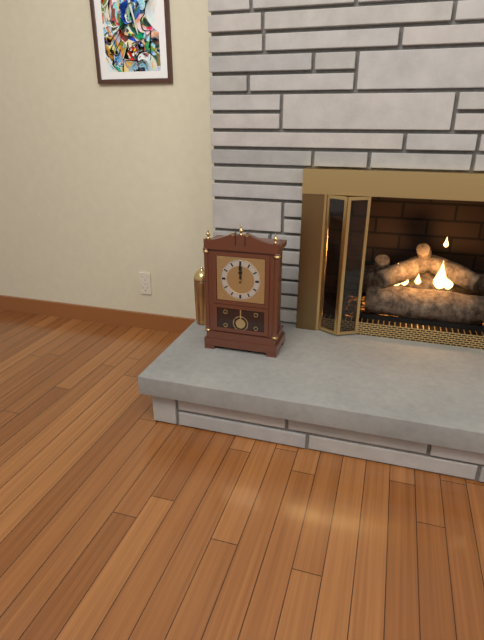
12.00
